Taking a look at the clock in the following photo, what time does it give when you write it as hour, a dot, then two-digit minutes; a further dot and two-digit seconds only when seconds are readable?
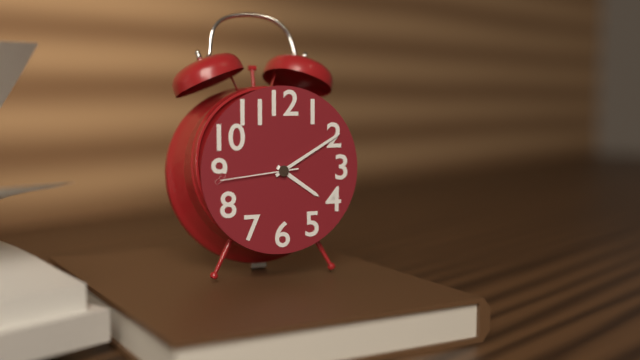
4.10.44
